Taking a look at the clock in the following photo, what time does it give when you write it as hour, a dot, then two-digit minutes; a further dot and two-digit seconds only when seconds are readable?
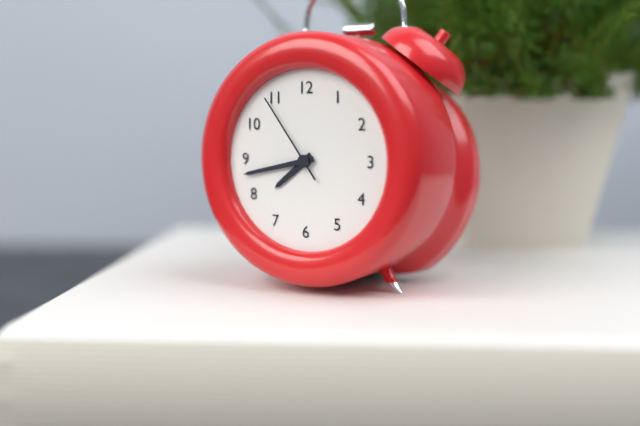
7.43.54
